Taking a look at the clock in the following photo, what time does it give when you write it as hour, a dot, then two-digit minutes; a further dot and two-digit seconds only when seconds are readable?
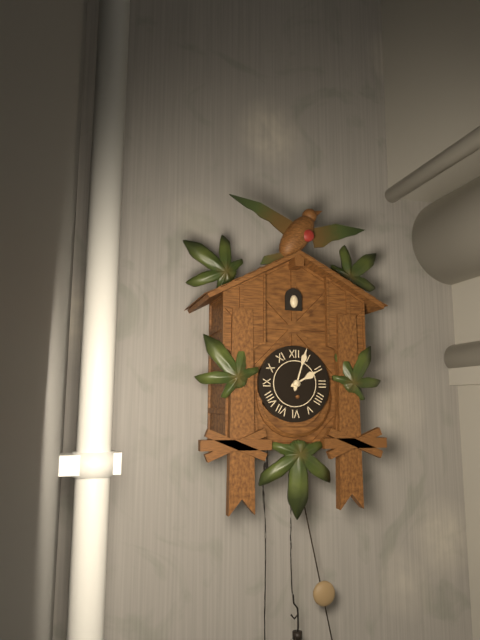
2.03
